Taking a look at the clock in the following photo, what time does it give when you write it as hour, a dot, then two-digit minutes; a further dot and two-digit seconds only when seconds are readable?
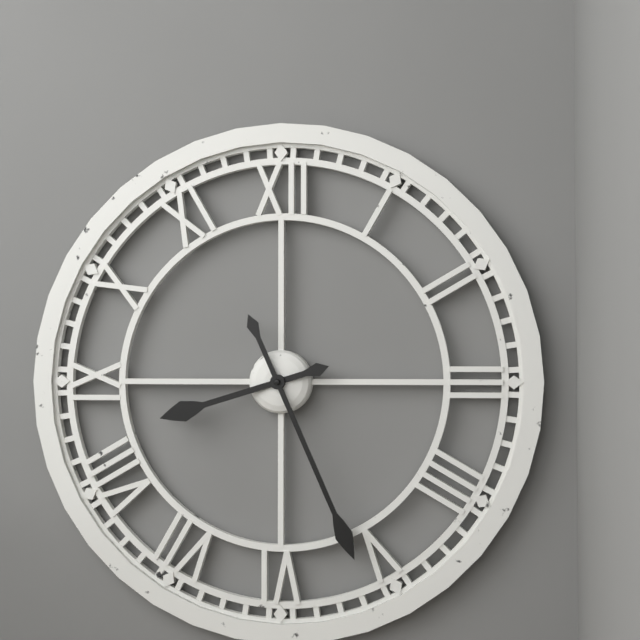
8.26
